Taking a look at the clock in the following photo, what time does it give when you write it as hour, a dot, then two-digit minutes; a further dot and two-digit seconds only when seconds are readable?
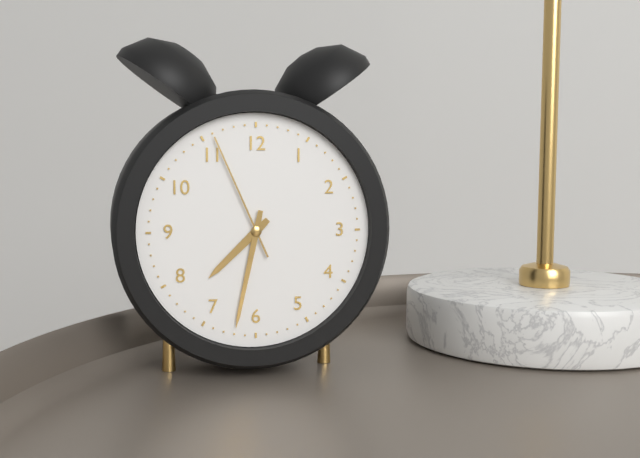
7.32.56
